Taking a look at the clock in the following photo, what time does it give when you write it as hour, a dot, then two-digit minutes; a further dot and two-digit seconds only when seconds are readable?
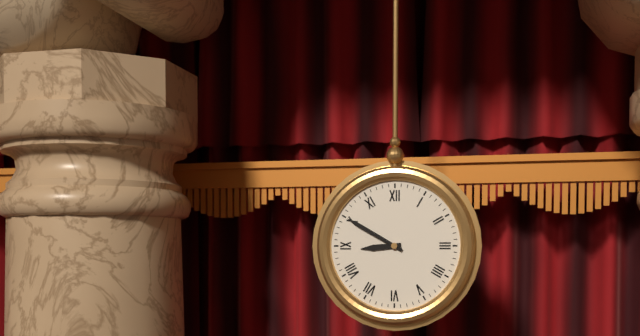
8.50
